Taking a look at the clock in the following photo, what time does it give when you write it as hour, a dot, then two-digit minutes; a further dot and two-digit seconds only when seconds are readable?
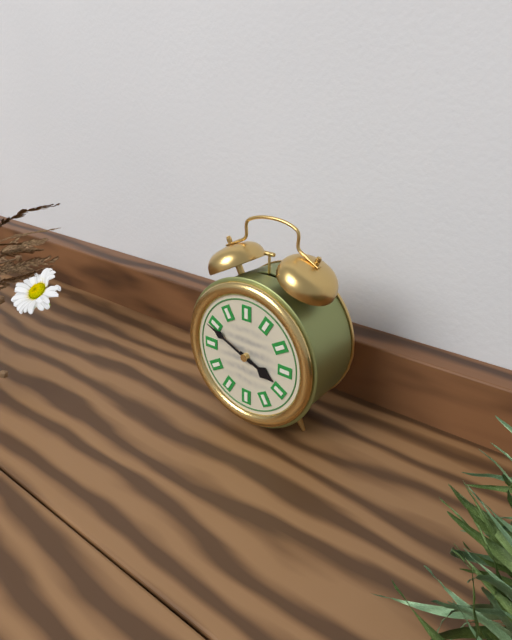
3.49
